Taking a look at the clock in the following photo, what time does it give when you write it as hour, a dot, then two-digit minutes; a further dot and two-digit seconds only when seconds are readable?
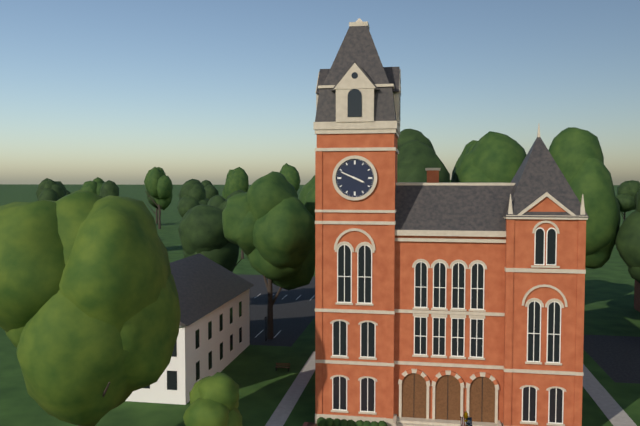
3.49
